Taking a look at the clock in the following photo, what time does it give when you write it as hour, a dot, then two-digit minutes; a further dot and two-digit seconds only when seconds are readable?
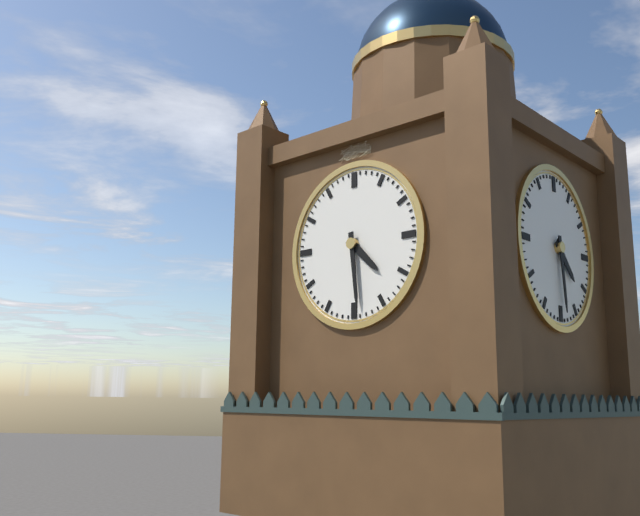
4.29
